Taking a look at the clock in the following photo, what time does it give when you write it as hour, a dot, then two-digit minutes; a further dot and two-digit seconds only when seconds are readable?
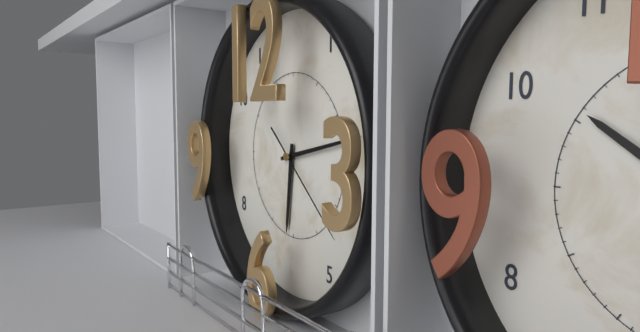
6.13.22
